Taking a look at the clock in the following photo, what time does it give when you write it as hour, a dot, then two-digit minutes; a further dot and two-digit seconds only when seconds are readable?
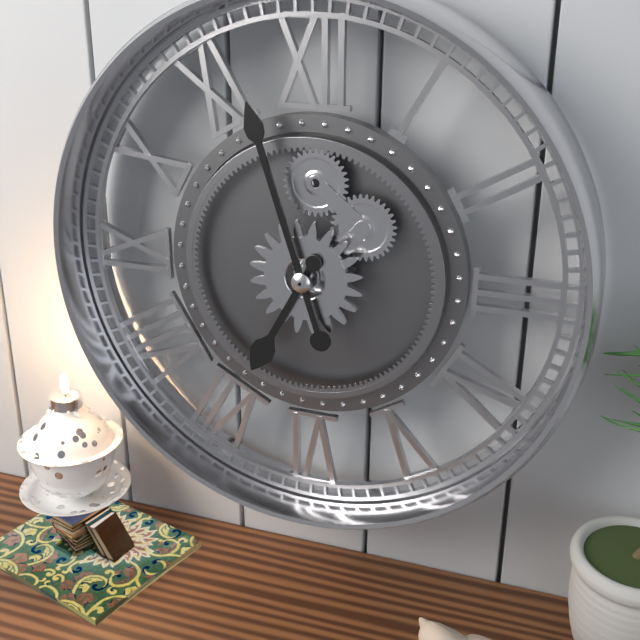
6.57
